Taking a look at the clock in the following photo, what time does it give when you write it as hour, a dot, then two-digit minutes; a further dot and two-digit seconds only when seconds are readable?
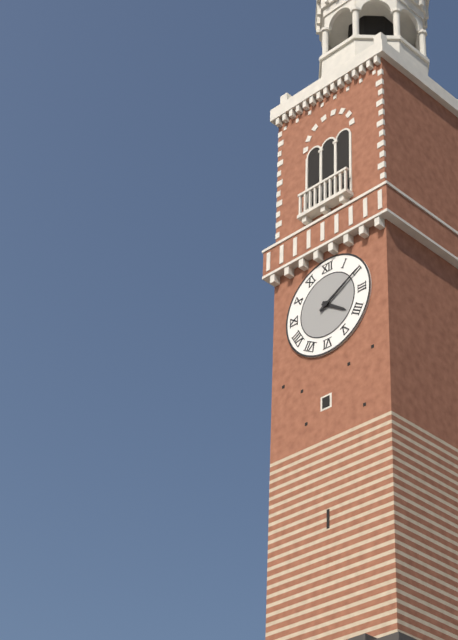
4.10
